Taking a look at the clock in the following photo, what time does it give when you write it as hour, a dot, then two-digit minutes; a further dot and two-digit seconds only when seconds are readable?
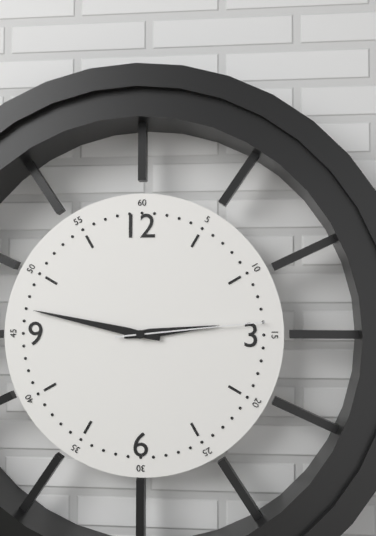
2.47.14
